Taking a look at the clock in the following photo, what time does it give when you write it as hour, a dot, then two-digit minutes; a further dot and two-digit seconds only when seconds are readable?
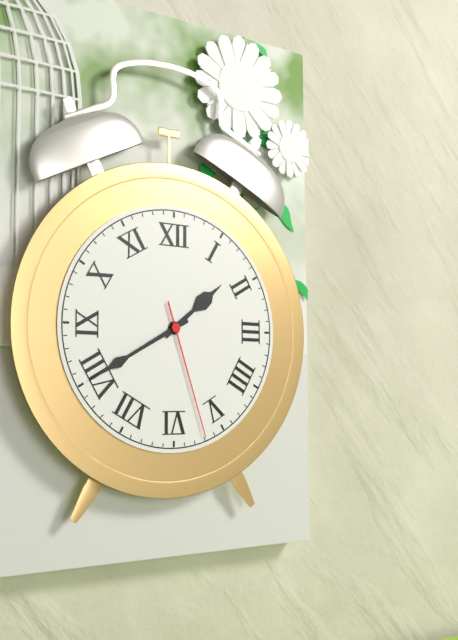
1.40.27
